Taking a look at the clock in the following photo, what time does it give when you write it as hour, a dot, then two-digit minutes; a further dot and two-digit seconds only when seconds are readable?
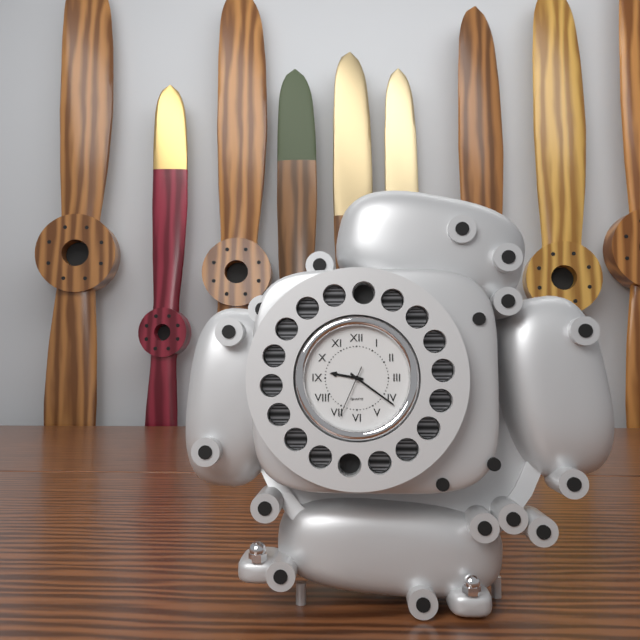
9.21.34
